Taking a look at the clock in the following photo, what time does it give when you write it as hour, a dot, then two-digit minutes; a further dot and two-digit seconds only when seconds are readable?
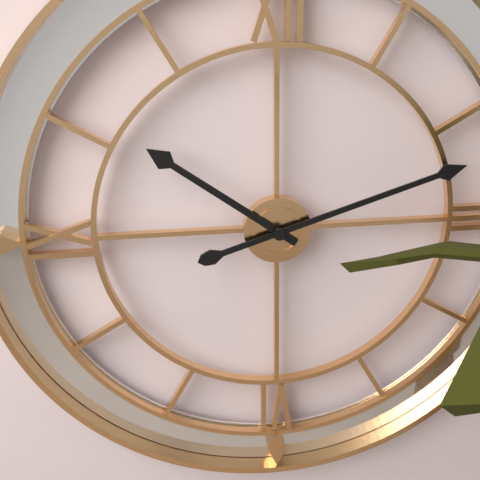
10.12
